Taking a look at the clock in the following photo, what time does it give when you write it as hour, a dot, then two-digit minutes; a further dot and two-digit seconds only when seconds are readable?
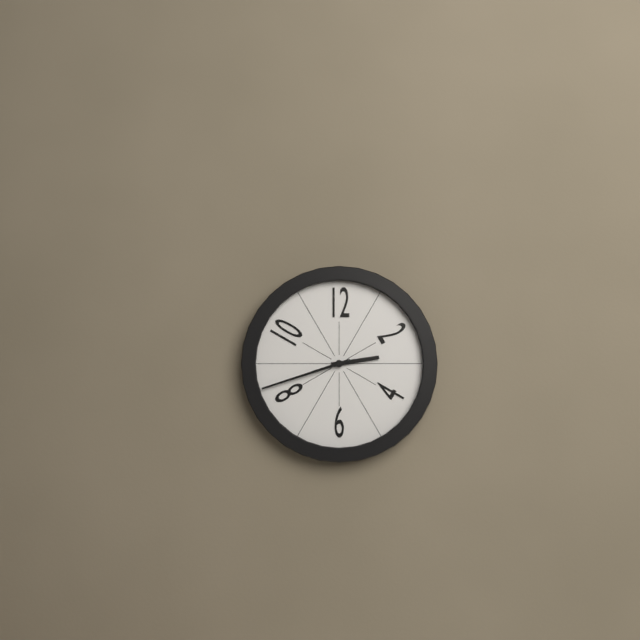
2.42
